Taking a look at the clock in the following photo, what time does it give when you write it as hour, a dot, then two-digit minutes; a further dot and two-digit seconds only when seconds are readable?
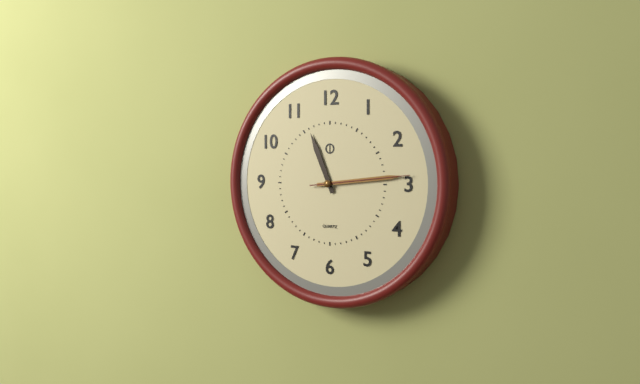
11.14.14
